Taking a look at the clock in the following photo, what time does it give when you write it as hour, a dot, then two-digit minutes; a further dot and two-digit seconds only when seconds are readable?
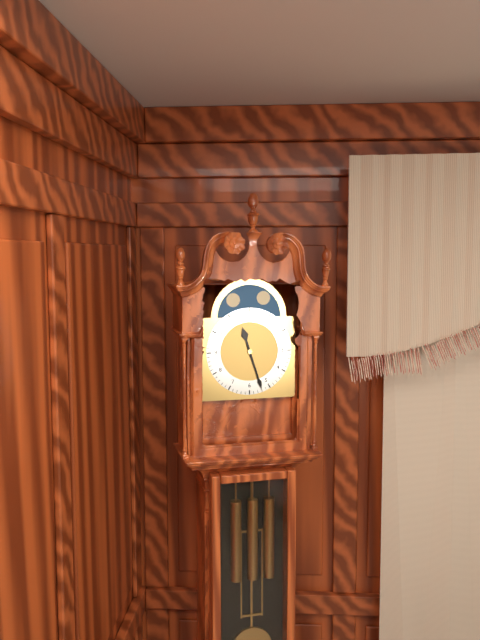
11.27
